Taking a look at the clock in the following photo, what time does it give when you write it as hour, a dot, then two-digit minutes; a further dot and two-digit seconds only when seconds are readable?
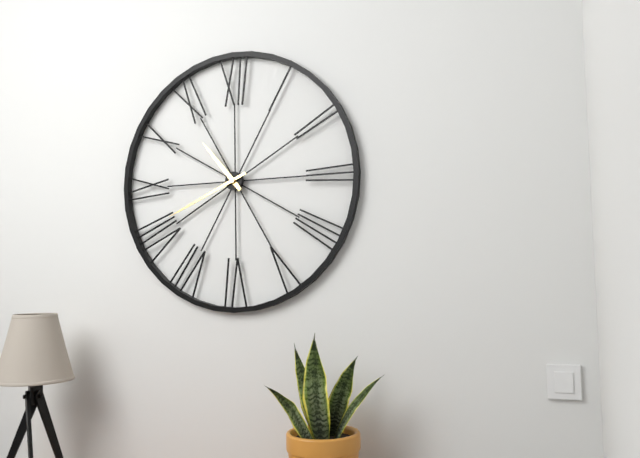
10.41
